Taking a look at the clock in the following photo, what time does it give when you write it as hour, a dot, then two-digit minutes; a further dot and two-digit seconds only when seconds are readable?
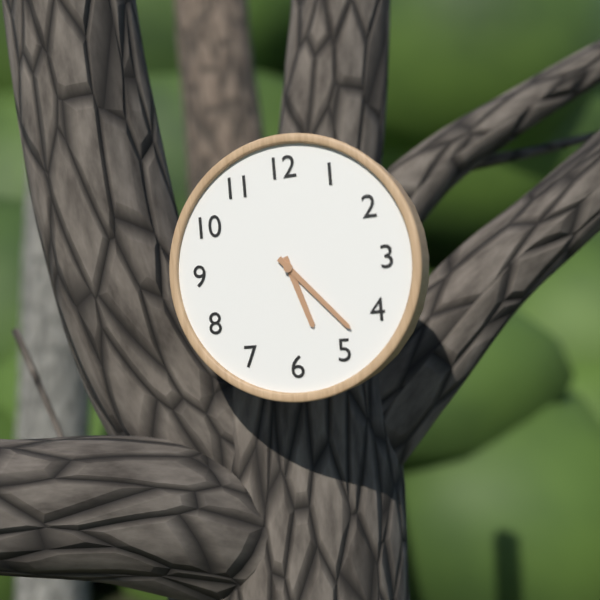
5.23
